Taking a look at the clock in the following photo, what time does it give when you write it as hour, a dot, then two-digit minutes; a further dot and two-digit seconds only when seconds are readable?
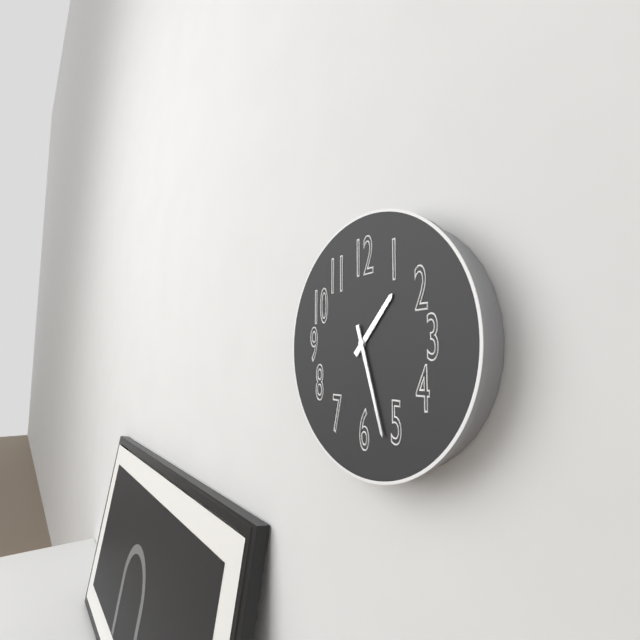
1.27
